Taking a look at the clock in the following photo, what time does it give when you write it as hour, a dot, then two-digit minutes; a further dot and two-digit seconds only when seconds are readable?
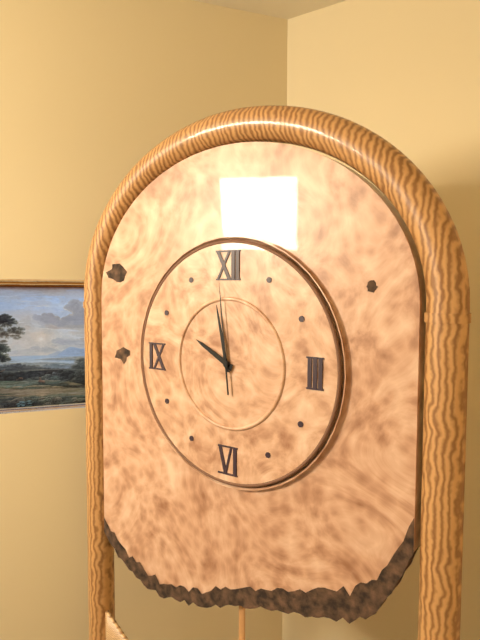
9.58.59
